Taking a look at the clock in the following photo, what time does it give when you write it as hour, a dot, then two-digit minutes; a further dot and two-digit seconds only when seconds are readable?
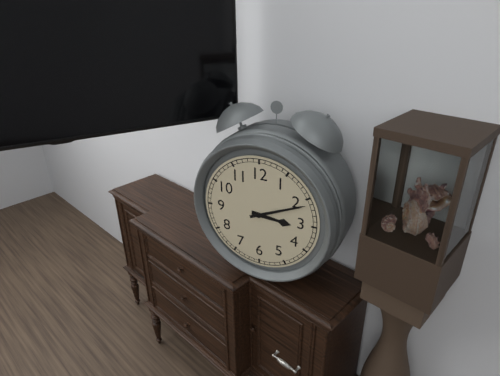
3.11
